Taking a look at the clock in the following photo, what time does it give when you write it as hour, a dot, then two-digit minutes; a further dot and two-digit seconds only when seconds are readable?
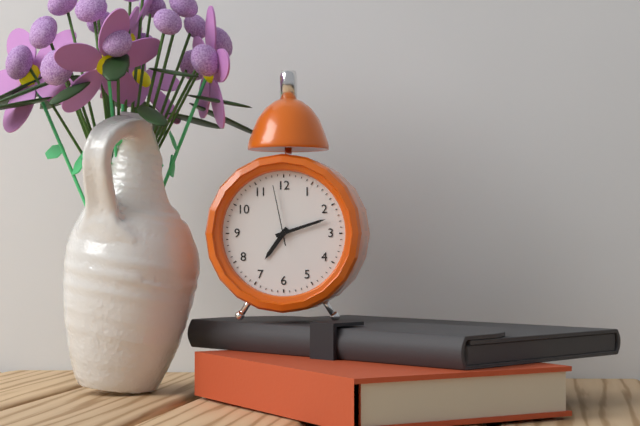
7.12.58
